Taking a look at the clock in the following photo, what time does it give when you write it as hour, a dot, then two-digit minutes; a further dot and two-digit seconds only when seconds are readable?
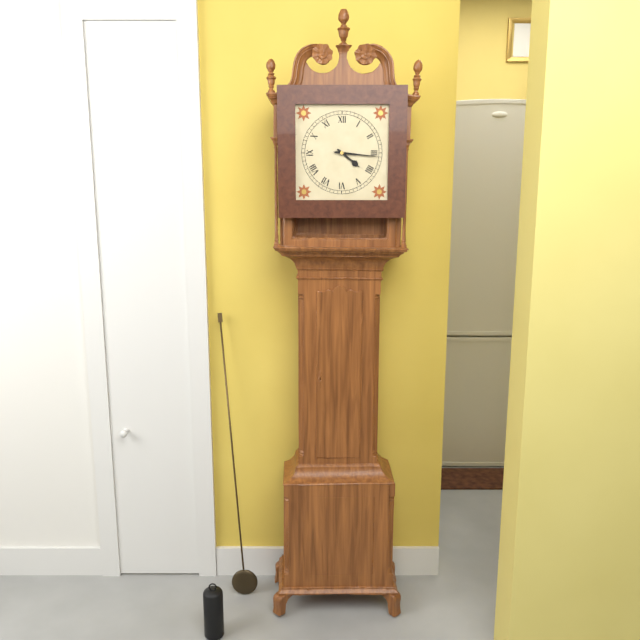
4.16
